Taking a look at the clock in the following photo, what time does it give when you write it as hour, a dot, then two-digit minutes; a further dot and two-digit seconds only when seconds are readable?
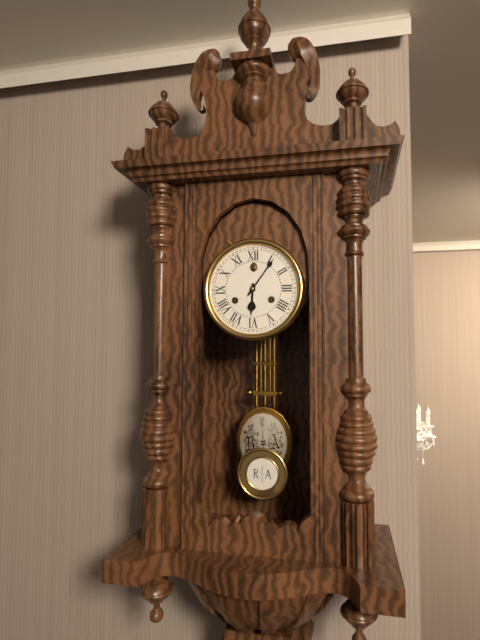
6.06
